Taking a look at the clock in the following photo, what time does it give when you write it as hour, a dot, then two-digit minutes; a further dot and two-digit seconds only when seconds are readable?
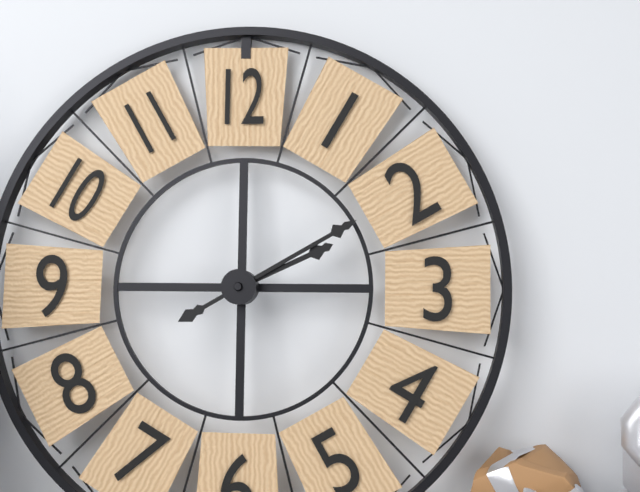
2.10
